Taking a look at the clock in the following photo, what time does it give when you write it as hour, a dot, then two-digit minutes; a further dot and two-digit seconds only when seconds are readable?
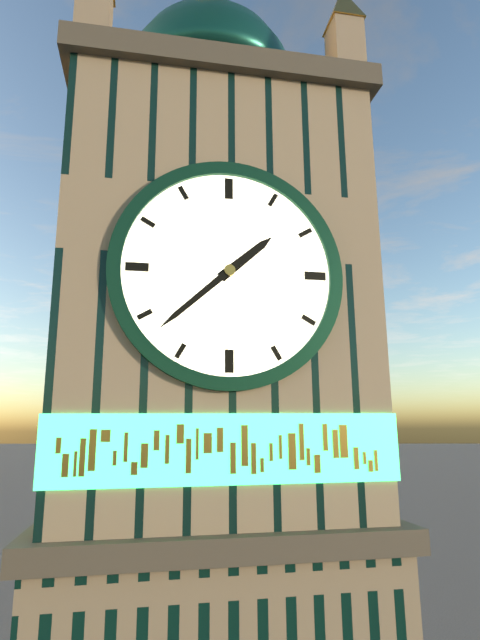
1.38
